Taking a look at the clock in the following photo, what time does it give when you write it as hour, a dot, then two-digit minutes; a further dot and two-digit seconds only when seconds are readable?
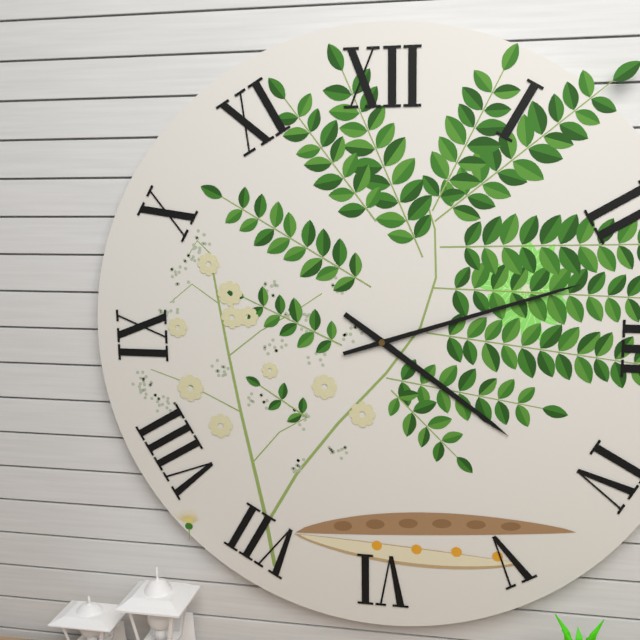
4.12
